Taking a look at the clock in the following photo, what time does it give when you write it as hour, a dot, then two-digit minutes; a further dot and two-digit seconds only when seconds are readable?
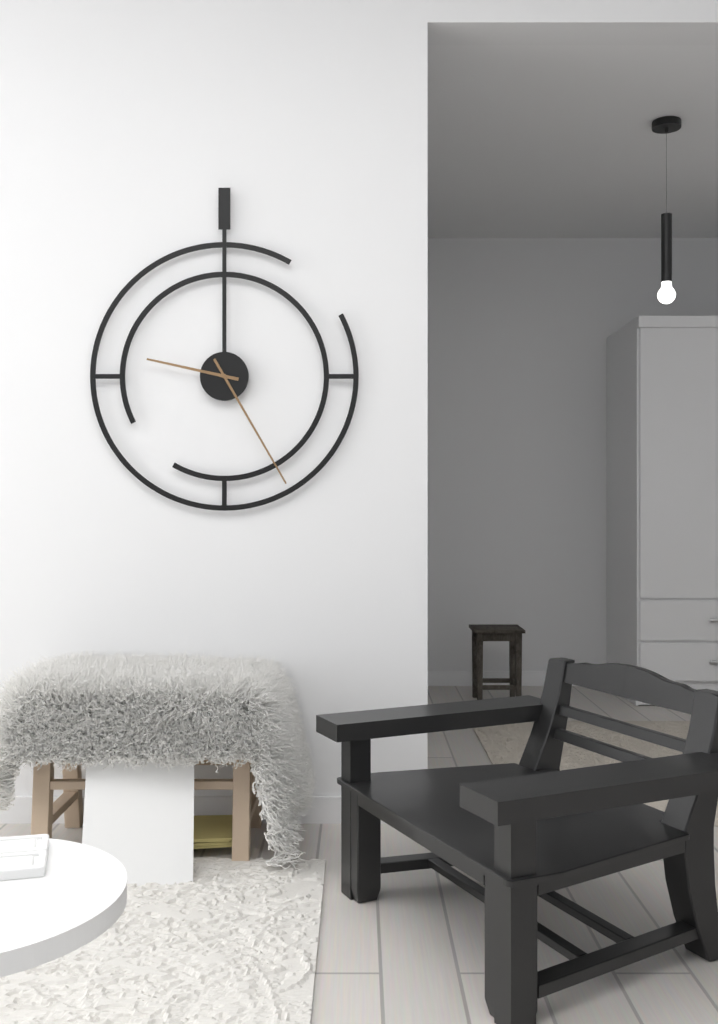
9.25
